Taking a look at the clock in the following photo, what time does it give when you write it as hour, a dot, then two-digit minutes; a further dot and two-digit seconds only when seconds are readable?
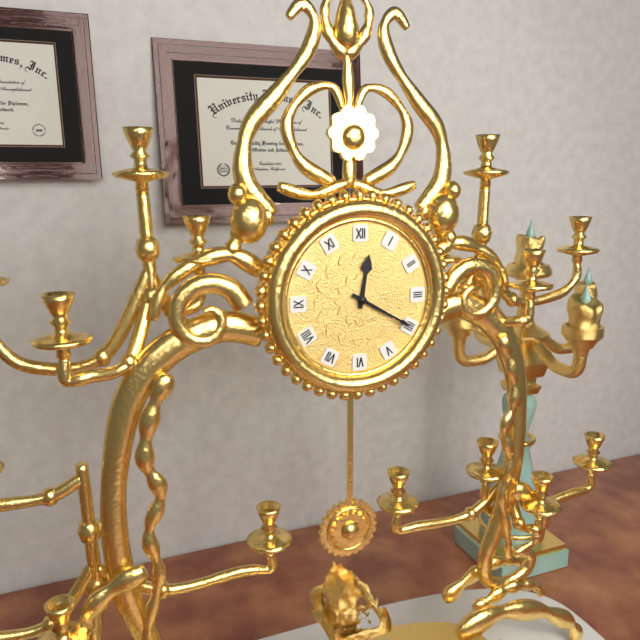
12.20
